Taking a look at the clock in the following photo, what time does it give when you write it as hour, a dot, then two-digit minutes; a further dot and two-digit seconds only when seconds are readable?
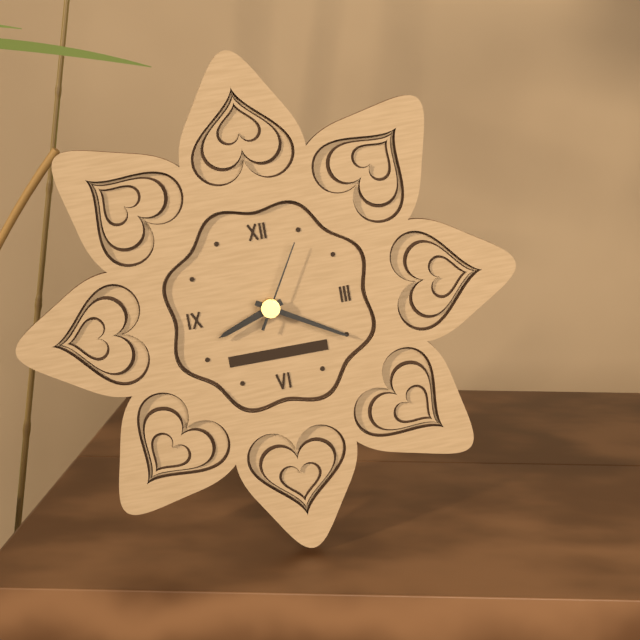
8.20.05
